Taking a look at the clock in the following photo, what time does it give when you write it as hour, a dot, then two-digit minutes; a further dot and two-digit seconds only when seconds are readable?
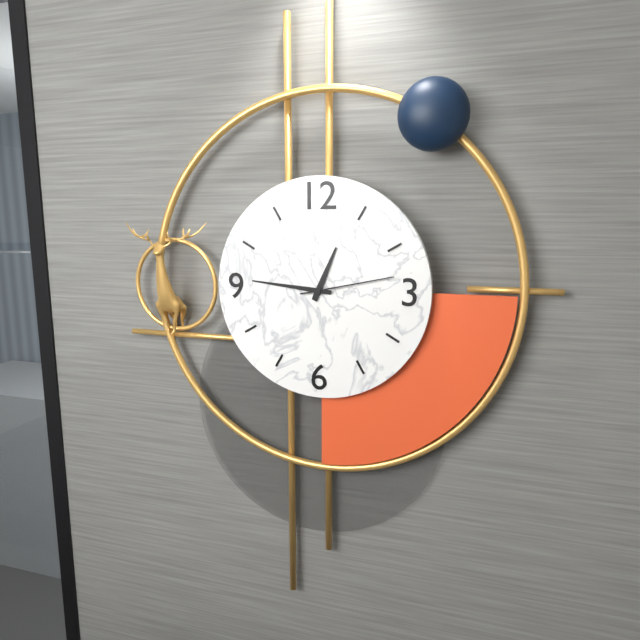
12.46.13
